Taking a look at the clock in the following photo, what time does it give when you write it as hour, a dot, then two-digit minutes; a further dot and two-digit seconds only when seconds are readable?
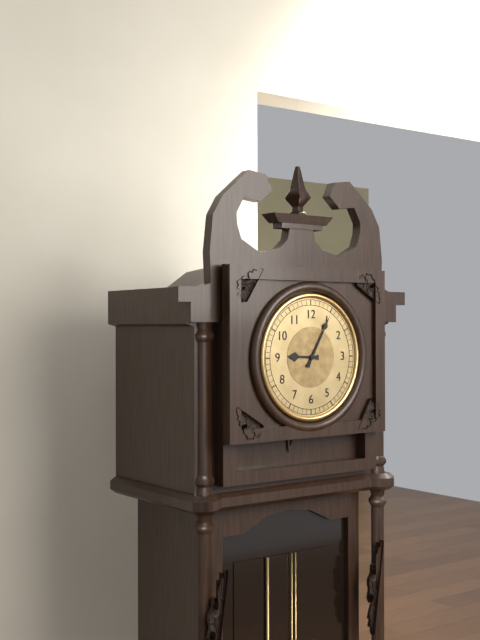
9.05
